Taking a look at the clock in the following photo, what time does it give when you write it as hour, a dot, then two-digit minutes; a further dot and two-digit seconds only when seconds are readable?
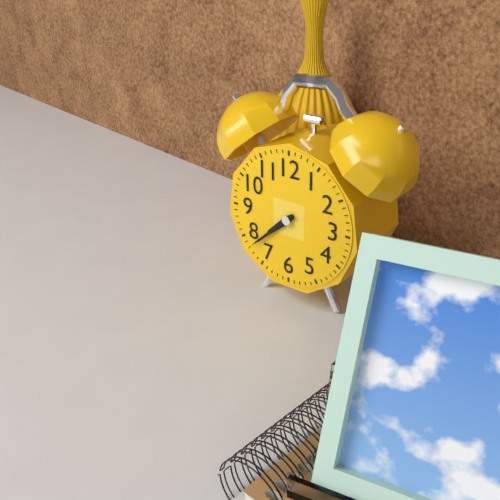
7.38
